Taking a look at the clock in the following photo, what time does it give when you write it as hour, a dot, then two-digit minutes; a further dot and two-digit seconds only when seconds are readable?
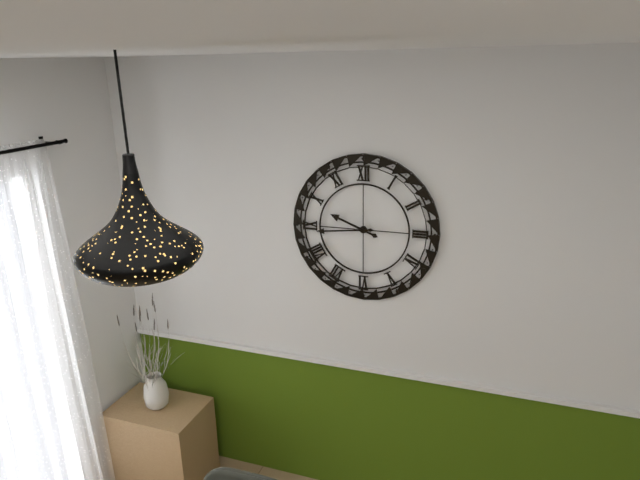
9.44
